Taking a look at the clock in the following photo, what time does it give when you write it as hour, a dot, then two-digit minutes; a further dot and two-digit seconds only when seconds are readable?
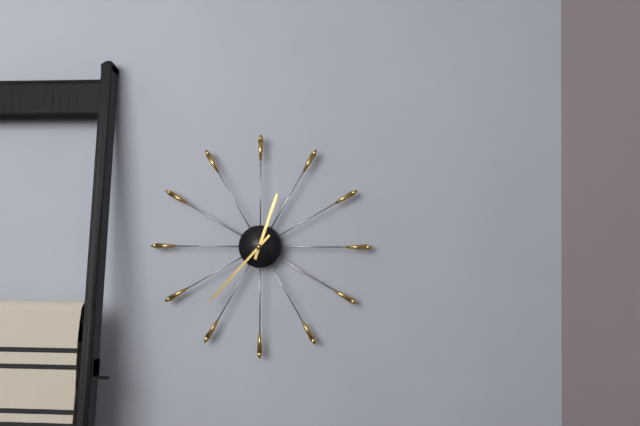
12.37
